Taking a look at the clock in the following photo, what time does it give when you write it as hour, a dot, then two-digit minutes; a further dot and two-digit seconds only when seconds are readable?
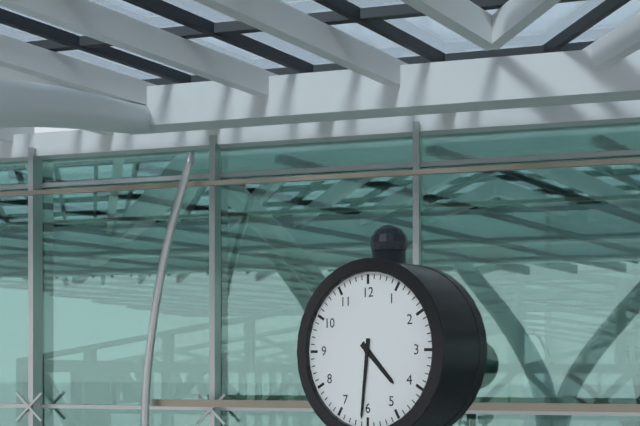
4.31
